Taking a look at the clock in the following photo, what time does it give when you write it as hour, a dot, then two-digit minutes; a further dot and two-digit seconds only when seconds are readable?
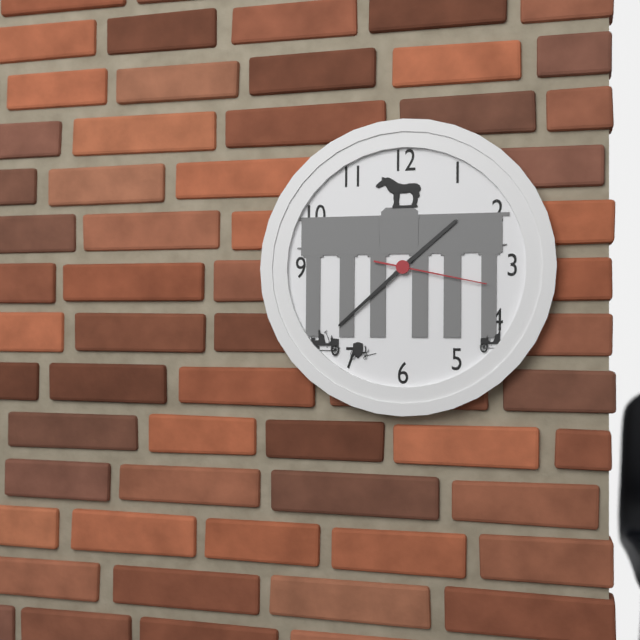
1.38.17
